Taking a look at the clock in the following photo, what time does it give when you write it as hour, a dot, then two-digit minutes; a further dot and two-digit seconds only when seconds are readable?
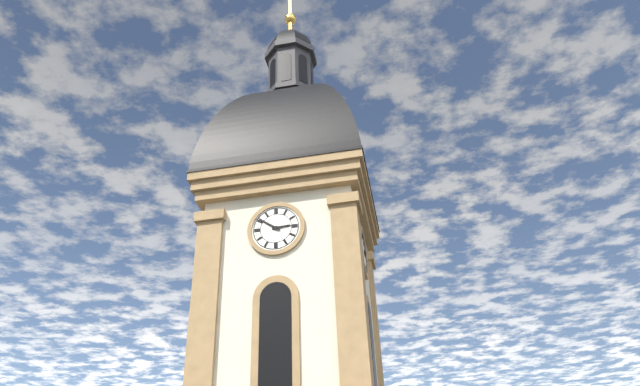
2.51
